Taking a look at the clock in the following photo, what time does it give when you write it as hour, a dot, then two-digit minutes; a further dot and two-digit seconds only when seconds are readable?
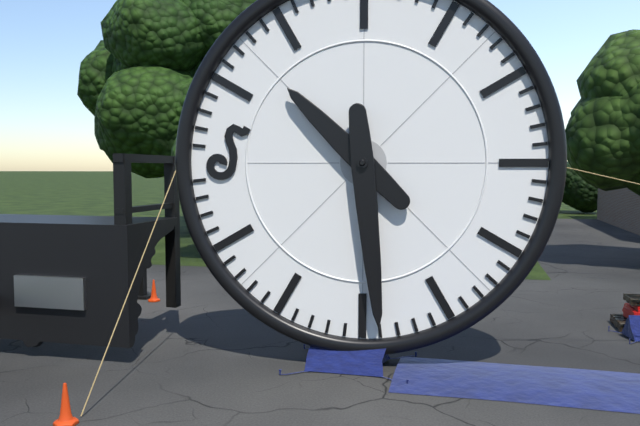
10.29
